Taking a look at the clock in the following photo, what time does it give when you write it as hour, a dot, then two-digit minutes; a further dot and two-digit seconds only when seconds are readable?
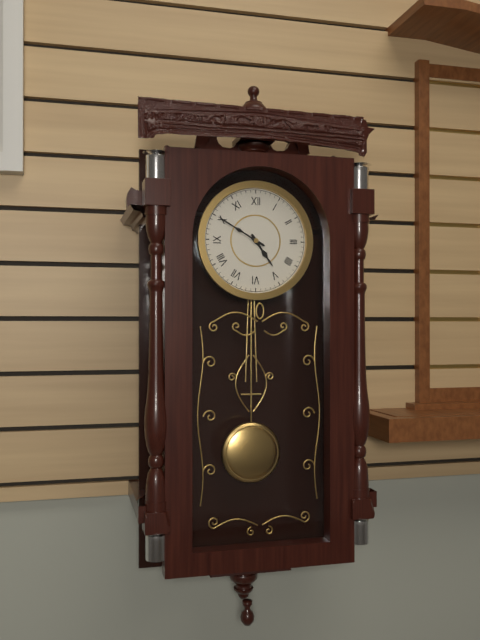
4.50
